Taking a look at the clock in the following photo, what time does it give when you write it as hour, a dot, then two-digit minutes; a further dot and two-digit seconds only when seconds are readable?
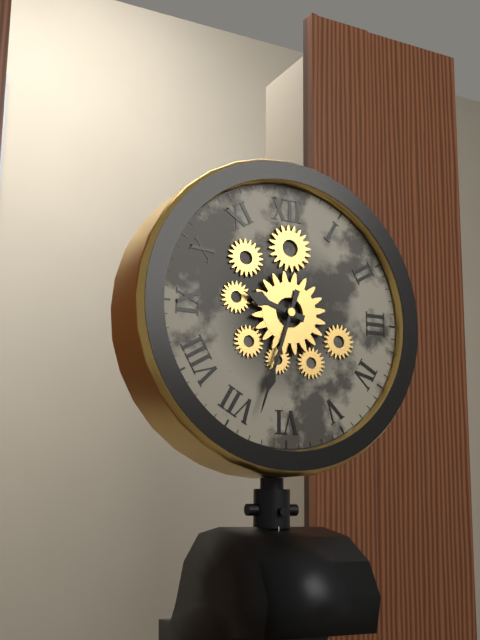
9.33
